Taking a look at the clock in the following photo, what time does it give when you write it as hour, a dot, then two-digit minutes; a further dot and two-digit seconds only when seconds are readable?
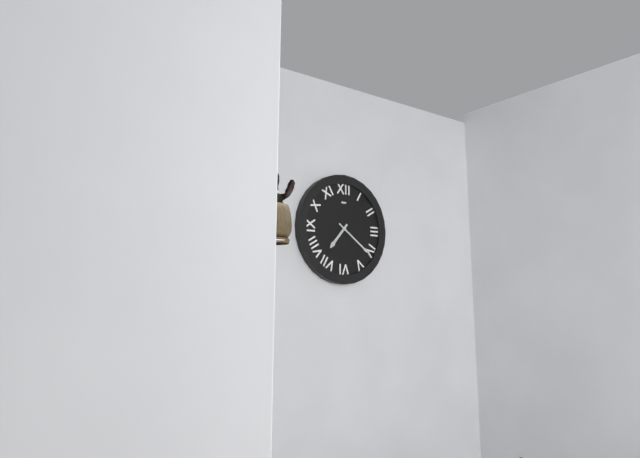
7.21
